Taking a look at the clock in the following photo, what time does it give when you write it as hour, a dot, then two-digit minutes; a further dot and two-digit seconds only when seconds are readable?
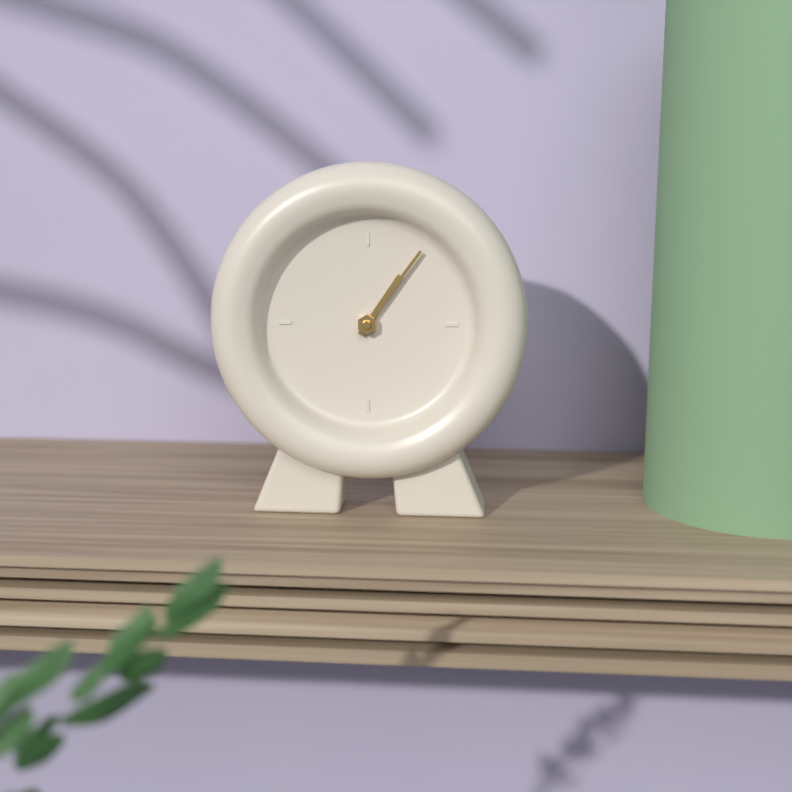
1.06
